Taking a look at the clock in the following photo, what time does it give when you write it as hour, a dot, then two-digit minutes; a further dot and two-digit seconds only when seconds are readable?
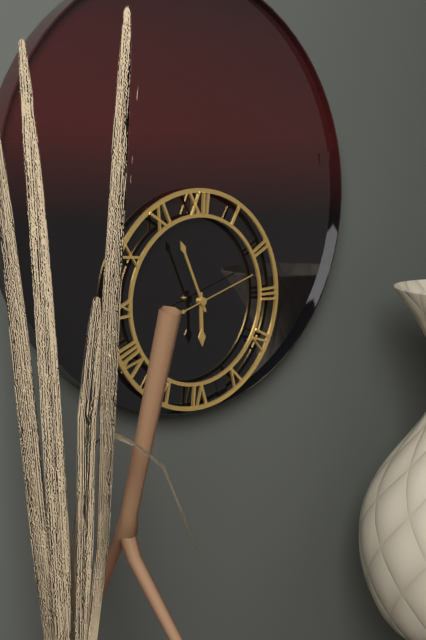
5.56.12
